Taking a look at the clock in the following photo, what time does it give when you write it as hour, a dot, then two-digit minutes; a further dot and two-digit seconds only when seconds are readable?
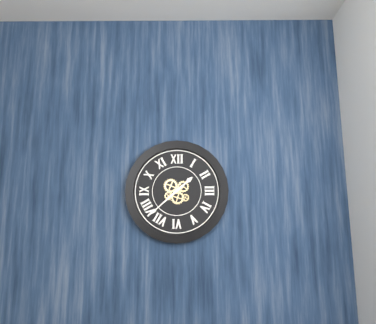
1.38
